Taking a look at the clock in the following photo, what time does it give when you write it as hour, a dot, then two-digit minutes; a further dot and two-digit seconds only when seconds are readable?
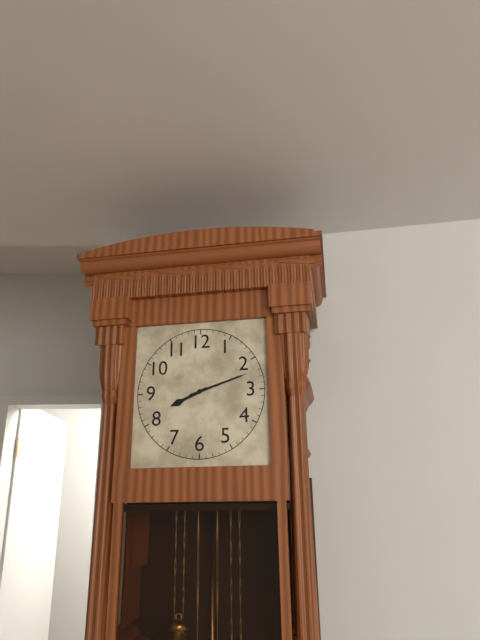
8.12
